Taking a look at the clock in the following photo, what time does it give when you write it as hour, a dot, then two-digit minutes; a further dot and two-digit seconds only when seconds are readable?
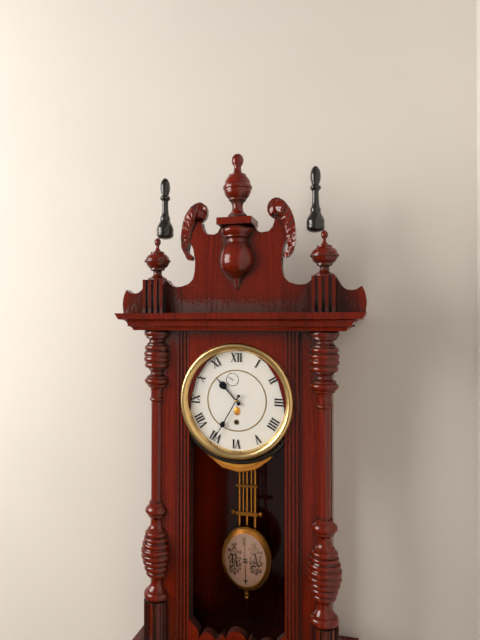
10.35
